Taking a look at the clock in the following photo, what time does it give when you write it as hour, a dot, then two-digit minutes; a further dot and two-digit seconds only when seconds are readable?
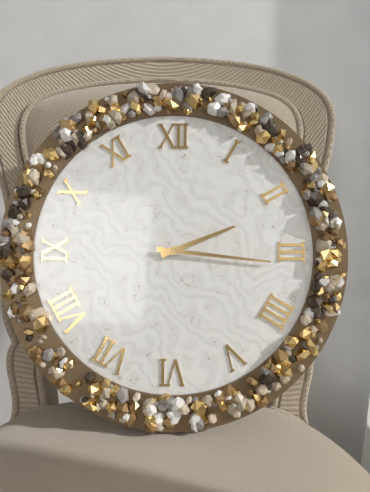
2.16
